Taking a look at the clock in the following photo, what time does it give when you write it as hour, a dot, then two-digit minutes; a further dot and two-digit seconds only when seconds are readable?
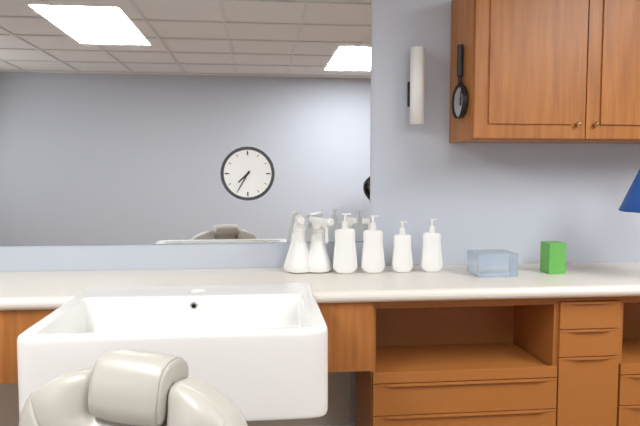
7.35
